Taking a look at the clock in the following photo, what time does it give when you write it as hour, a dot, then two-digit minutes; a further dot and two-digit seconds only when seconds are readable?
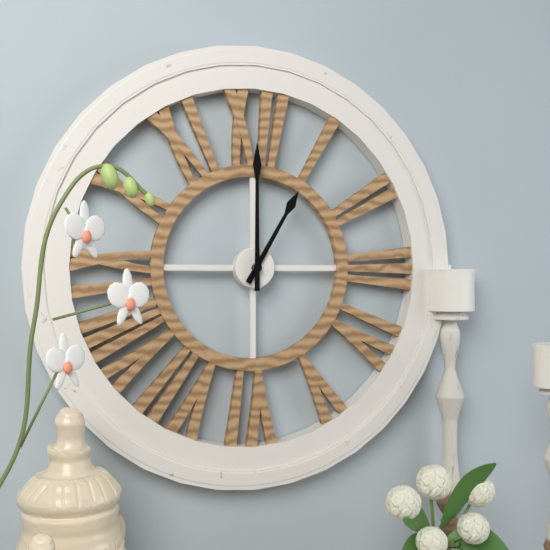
1.00
